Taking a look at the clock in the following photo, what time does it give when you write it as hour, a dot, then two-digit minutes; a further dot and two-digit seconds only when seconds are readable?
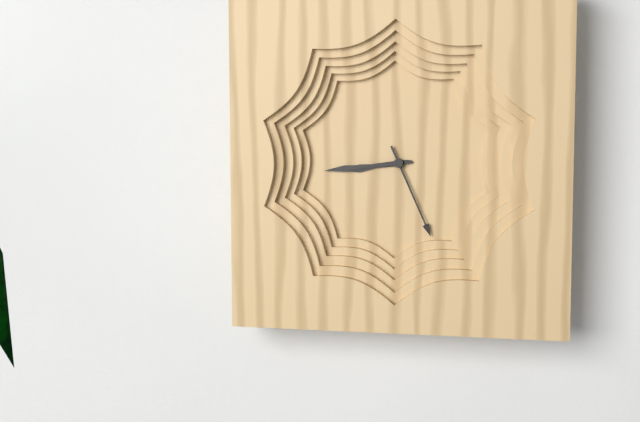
8.44.26
